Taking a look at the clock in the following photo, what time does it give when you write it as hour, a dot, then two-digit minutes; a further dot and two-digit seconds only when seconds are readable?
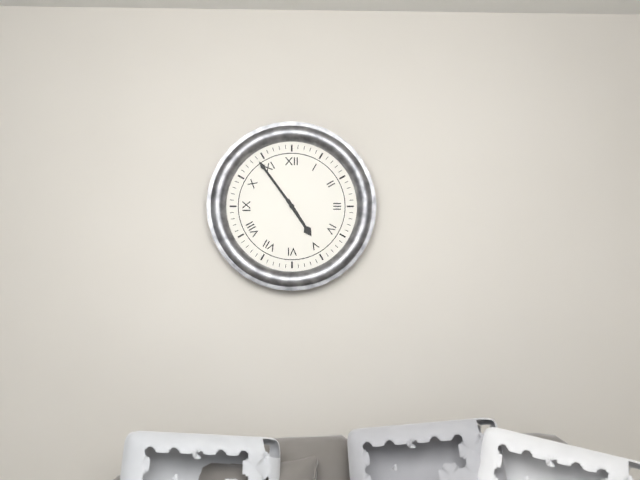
4.54
